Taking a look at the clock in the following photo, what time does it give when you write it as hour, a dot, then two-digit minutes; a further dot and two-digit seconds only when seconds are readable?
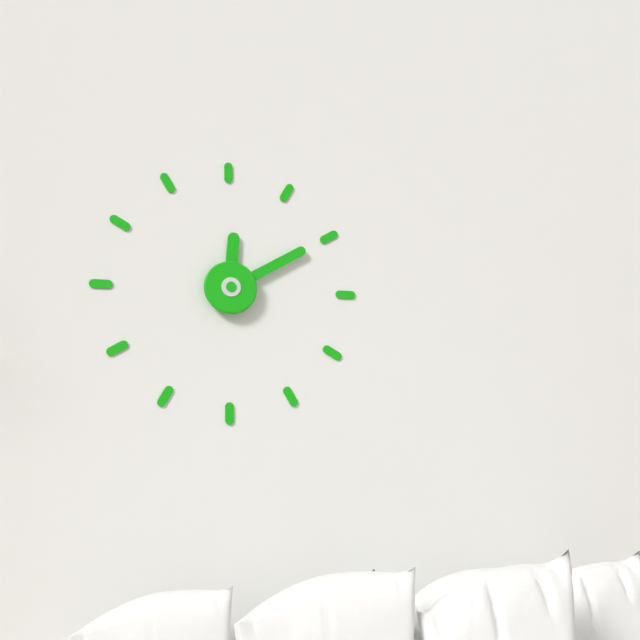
12.10
